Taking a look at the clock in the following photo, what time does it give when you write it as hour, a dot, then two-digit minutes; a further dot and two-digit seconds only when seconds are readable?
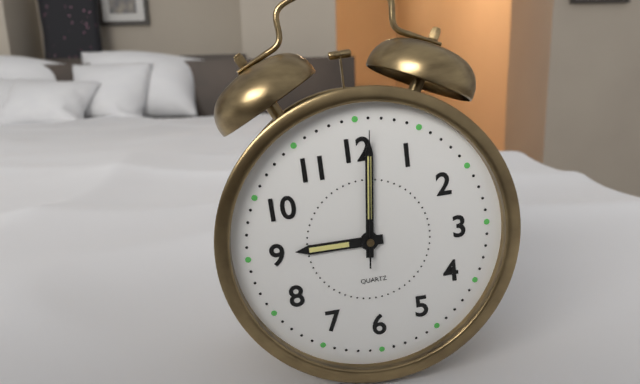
9.01.01
